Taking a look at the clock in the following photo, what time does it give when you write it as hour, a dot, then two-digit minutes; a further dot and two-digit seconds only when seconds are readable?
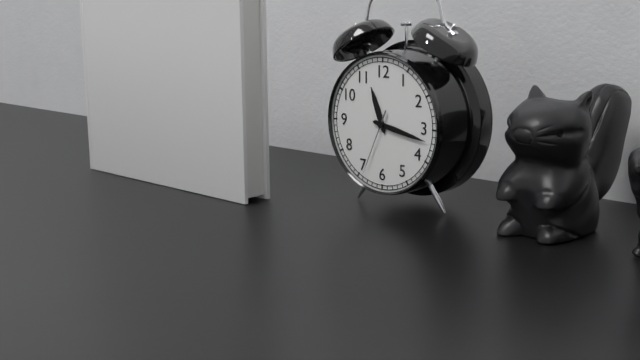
11.17.34
